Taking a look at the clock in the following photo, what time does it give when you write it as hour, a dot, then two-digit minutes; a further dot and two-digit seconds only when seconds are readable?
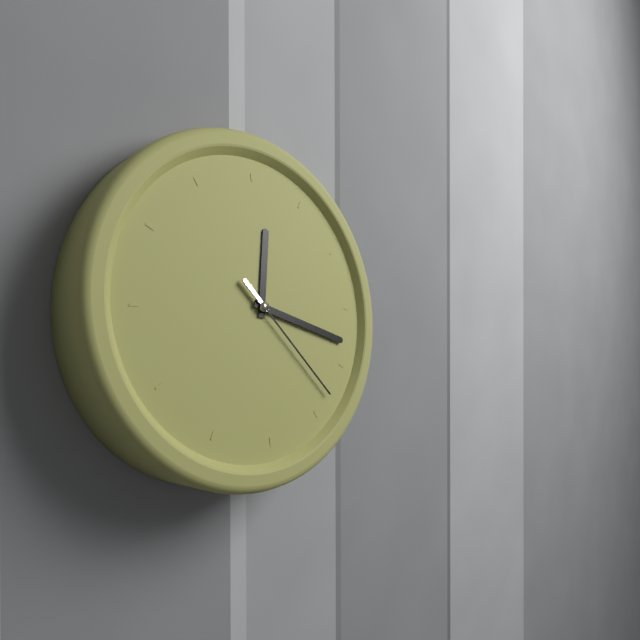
12.18.23
